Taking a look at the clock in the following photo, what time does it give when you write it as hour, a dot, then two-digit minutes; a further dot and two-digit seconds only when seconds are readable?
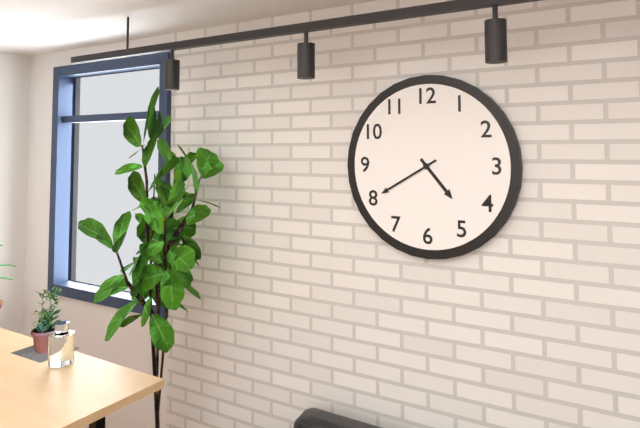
4.40
